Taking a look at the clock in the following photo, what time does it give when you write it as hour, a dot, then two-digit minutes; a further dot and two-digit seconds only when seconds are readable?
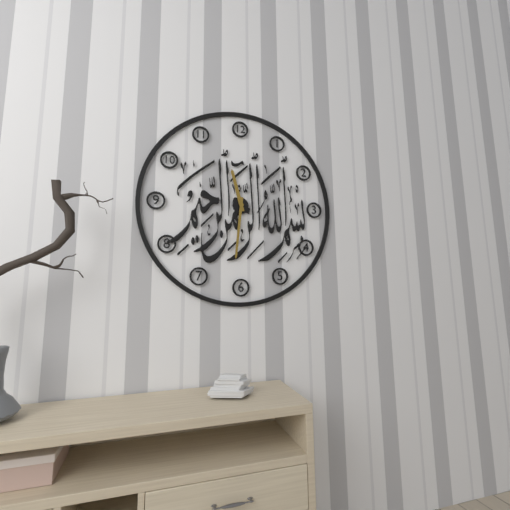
11.31
